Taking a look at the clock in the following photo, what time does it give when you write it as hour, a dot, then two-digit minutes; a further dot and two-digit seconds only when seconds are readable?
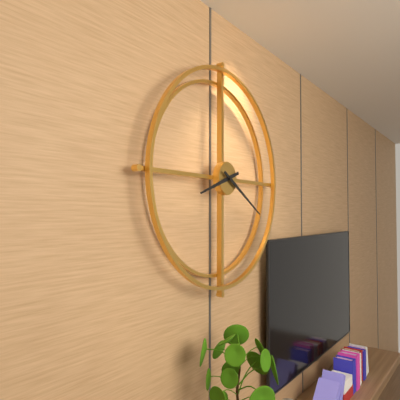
8.20
